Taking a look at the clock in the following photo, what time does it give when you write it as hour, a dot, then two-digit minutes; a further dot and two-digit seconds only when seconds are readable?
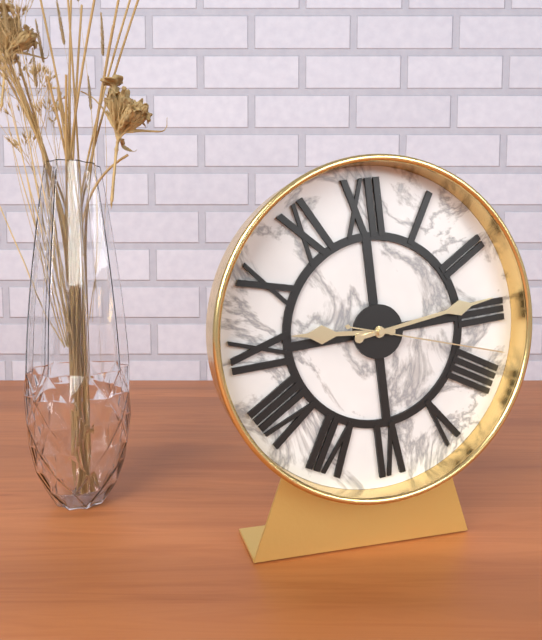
9.14.18
